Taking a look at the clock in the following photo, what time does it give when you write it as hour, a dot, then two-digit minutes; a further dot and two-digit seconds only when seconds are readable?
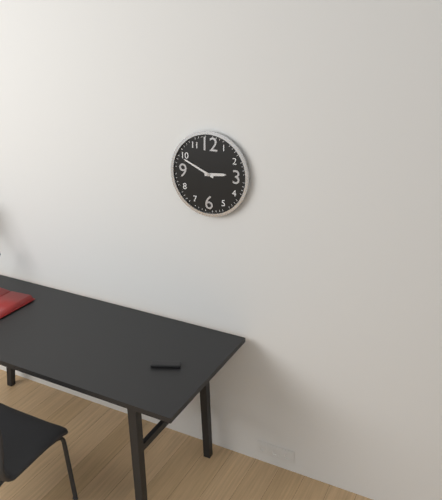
2.49
